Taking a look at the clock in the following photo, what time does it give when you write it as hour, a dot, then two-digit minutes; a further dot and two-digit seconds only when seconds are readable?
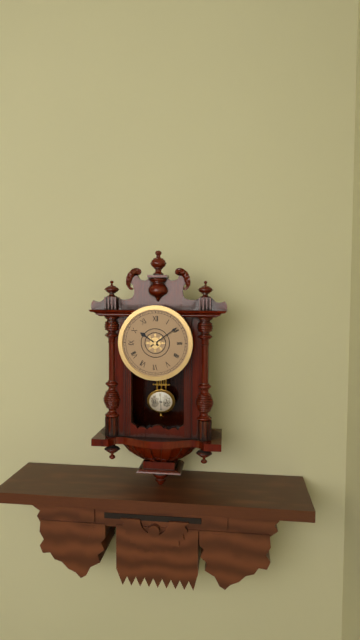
10.09
